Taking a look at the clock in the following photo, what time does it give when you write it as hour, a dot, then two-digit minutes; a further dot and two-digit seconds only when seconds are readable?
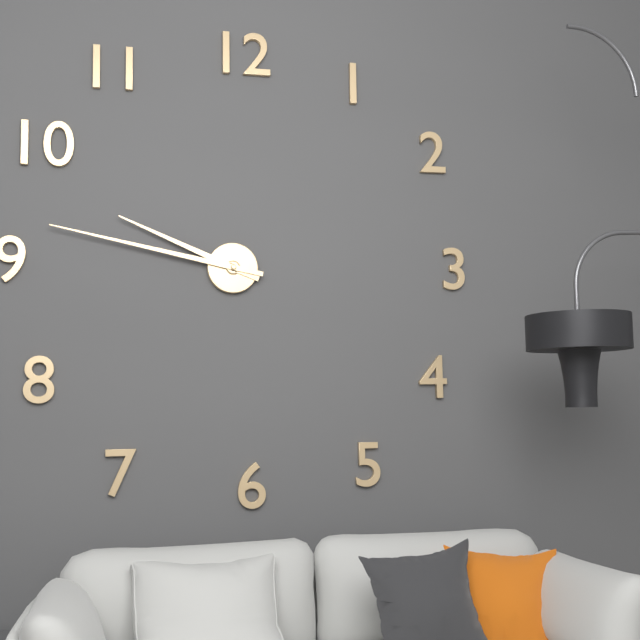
9.47
